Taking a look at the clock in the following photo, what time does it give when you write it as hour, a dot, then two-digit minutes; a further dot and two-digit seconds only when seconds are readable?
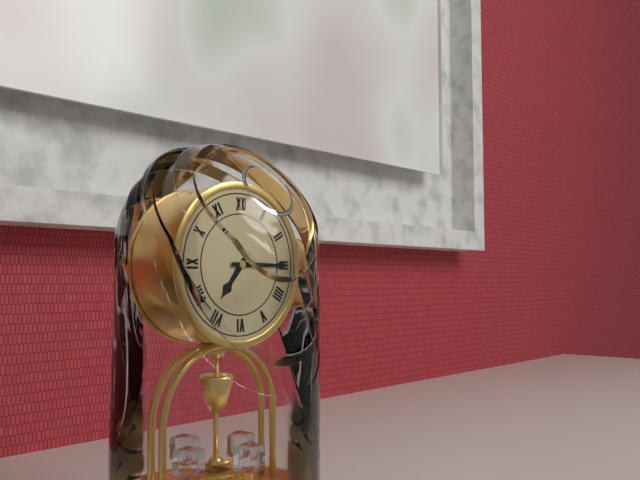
7.15
